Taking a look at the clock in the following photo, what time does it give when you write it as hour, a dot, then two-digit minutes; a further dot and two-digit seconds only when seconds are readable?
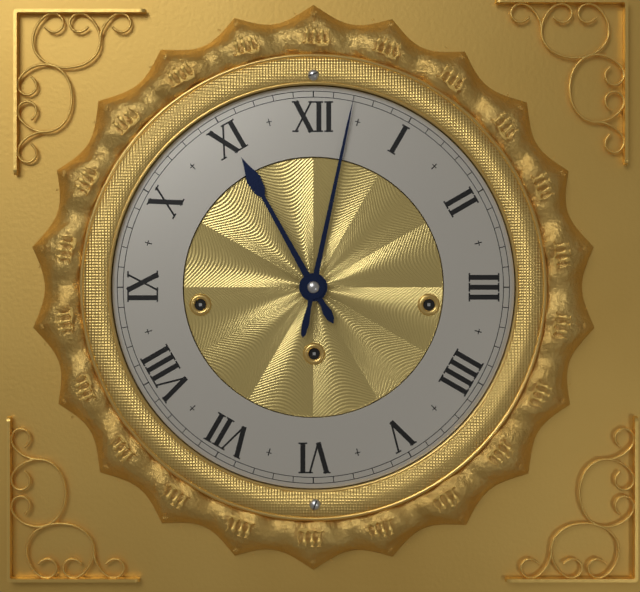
11.02
